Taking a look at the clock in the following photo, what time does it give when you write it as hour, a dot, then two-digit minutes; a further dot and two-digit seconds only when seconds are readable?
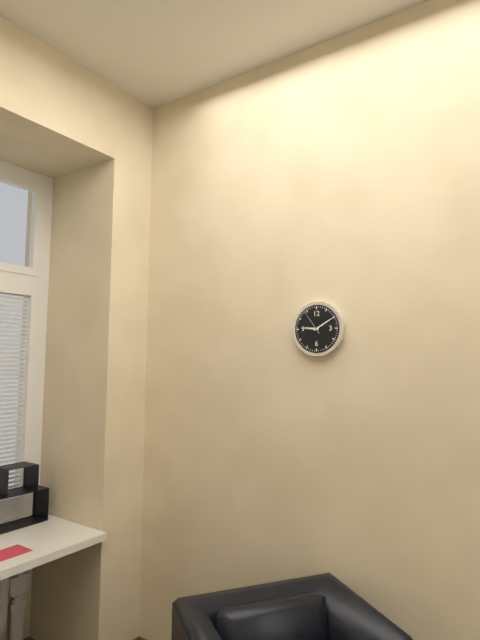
9.10
